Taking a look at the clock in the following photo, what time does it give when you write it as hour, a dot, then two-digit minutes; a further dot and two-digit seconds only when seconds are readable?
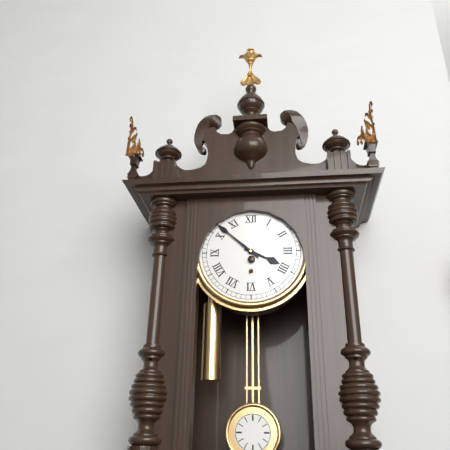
3.52
